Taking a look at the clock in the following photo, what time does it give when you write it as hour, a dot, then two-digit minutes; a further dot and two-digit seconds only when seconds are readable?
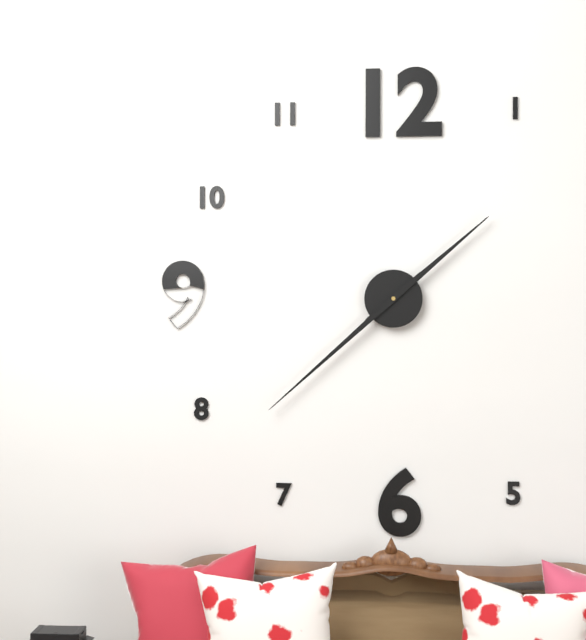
1.38
